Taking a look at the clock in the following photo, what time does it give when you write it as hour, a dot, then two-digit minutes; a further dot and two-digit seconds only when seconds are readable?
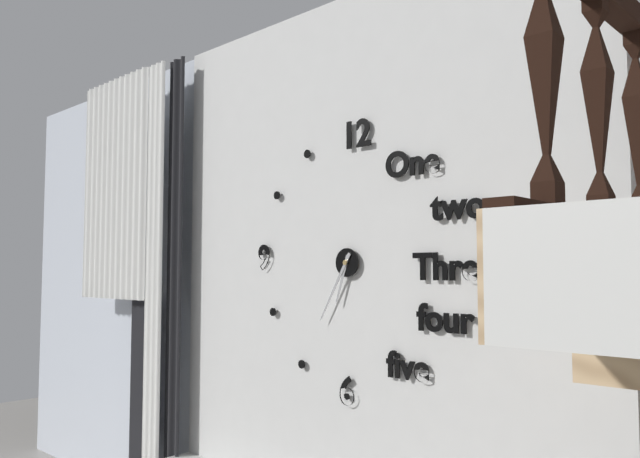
6.35
